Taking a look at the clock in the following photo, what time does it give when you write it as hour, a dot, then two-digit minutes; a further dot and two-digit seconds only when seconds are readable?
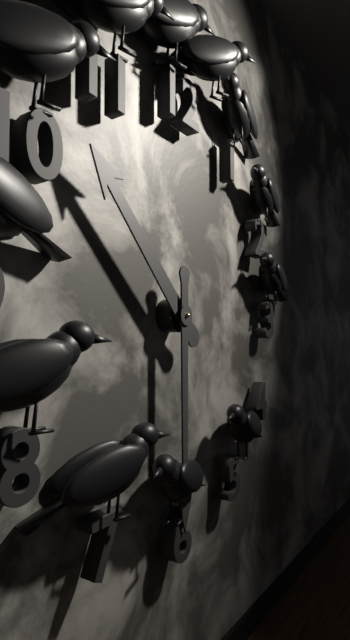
10.30
